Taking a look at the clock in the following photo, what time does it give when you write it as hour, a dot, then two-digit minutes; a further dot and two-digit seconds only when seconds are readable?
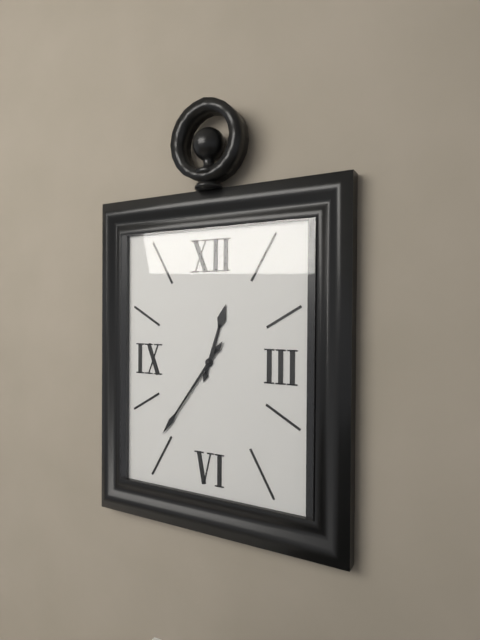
12.36
